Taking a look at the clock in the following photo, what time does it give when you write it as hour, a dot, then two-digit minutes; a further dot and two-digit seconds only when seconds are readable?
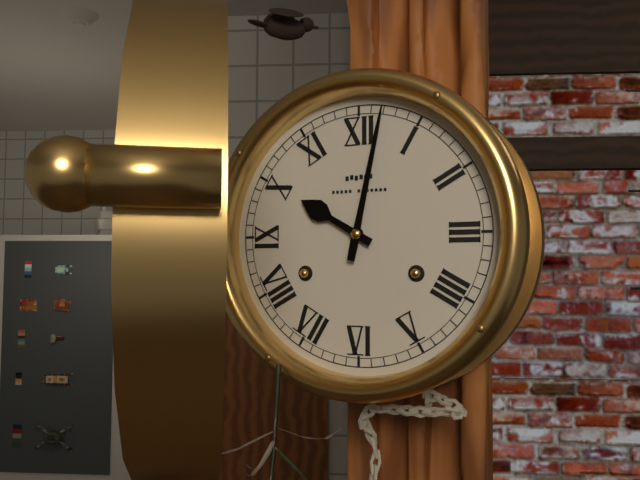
10.02
